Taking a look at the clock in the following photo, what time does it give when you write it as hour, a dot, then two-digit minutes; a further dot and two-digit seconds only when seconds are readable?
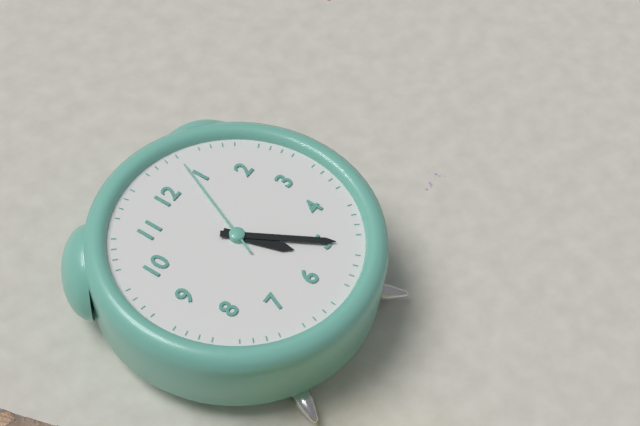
5.25.04
